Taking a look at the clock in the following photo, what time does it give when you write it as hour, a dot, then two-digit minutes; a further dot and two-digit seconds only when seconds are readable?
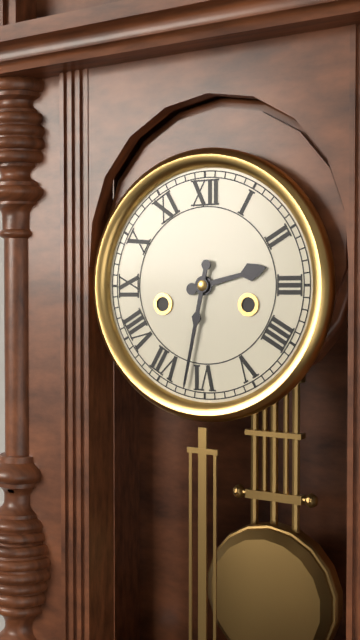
2.32
